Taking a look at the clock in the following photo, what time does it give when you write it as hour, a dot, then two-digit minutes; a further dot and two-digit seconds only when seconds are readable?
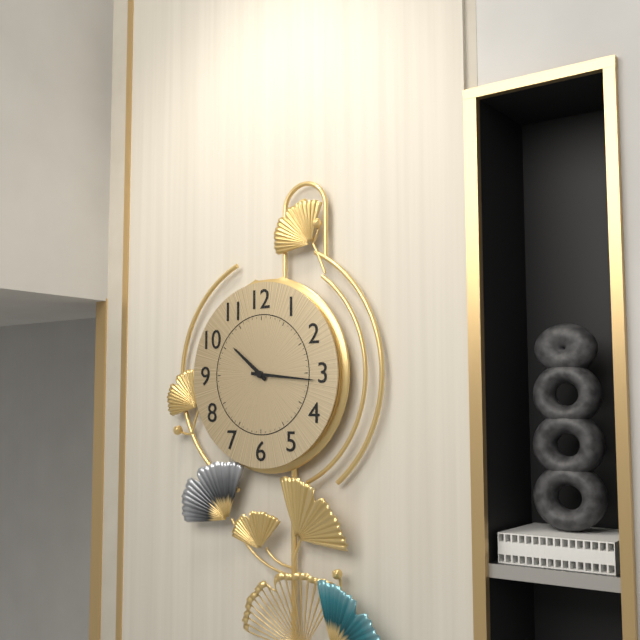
10.16
